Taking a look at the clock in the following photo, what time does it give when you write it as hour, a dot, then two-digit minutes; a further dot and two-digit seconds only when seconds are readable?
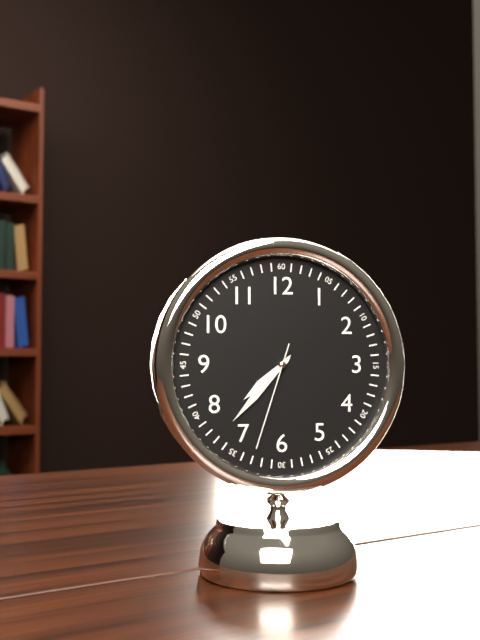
7.37.33
